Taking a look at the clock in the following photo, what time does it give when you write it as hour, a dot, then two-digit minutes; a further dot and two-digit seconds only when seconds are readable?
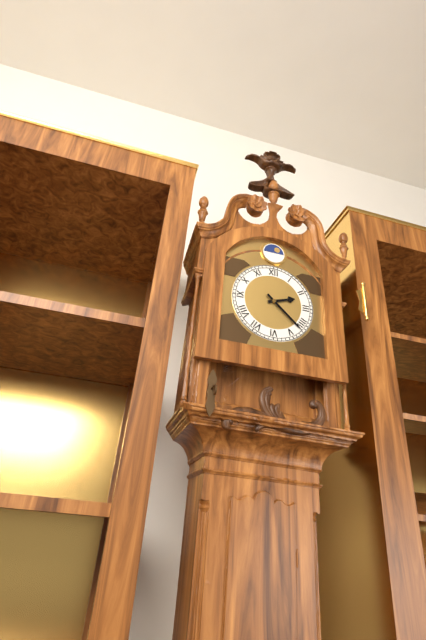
2.22
